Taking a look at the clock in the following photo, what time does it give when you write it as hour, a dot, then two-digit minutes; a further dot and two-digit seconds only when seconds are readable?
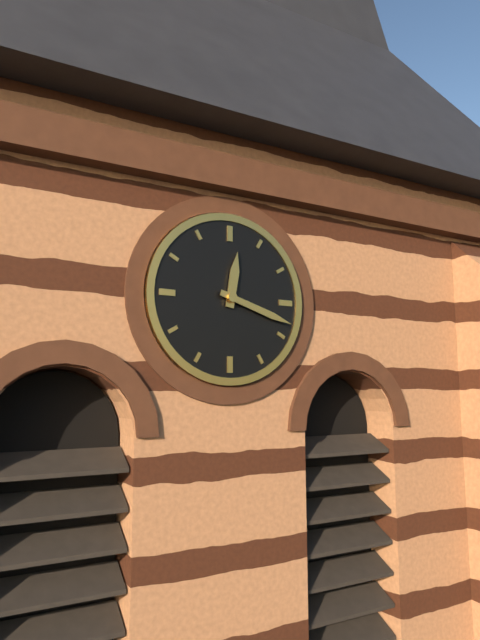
12.18
